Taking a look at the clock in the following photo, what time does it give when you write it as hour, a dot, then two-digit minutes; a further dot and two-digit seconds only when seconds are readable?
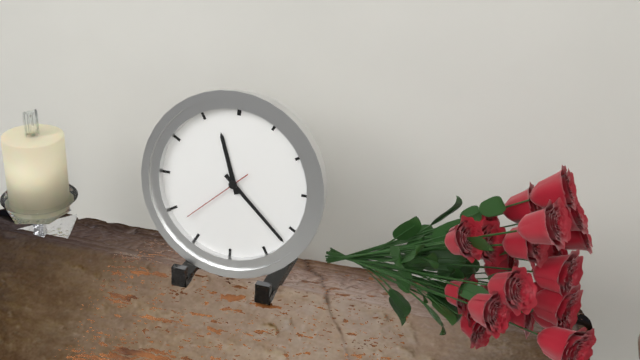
11.22.38
